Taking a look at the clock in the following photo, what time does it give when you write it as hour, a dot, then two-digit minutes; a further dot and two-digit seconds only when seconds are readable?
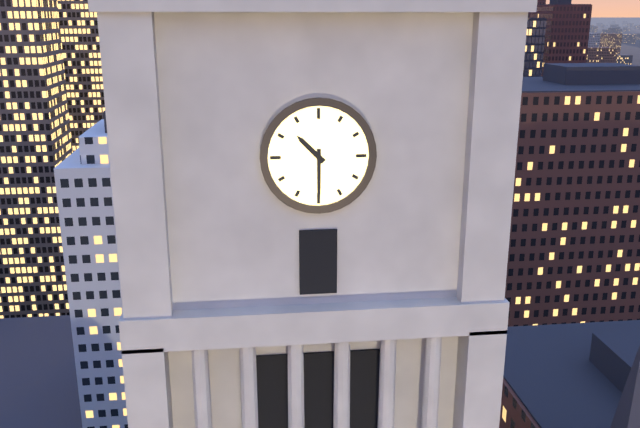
10.30
